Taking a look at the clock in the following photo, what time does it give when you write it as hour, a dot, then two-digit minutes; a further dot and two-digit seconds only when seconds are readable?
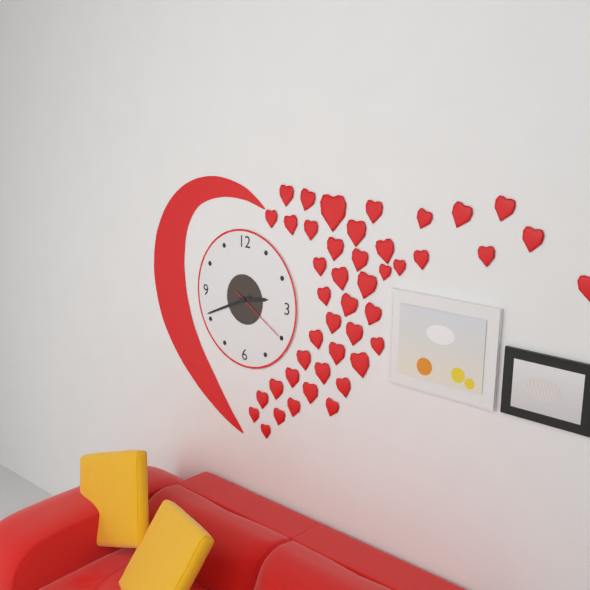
2.41.20
